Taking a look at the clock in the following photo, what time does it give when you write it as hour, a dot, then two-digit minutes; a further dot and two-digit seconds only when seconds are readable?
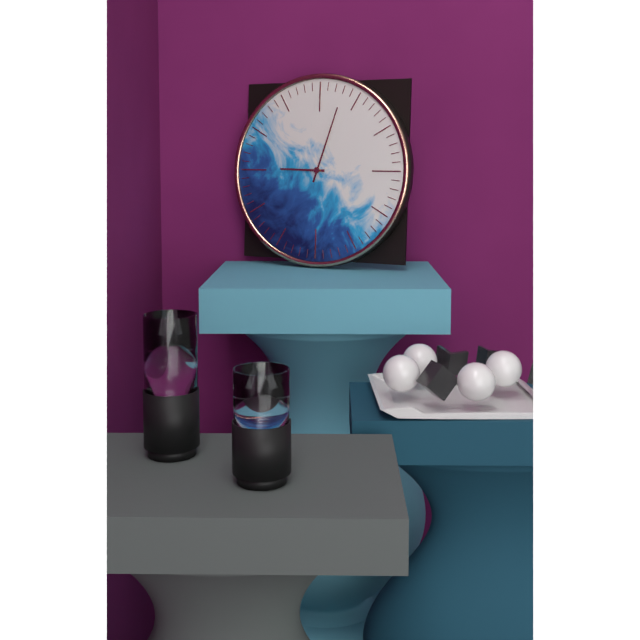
9.03
